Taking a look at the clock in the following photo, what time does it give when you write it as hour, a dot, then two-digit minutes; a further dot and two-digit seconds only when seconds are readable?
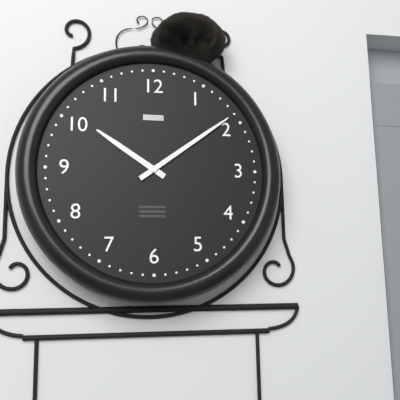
10.09
